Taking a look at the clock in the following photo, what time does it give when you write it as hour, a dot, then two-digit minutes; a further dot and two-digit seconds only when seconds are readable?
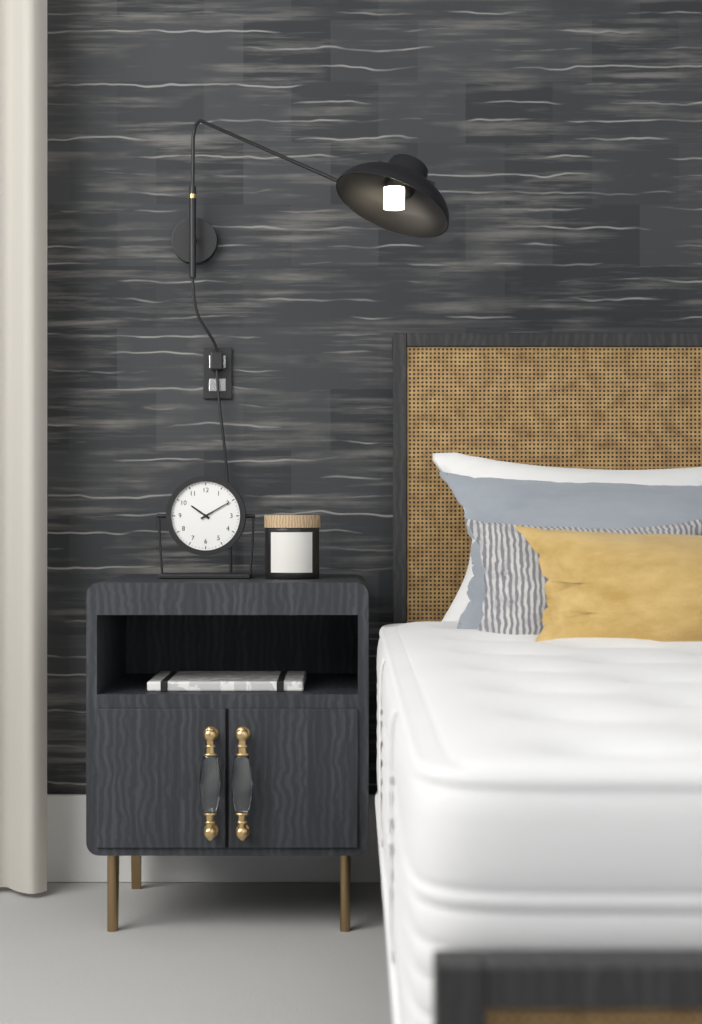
10.10
